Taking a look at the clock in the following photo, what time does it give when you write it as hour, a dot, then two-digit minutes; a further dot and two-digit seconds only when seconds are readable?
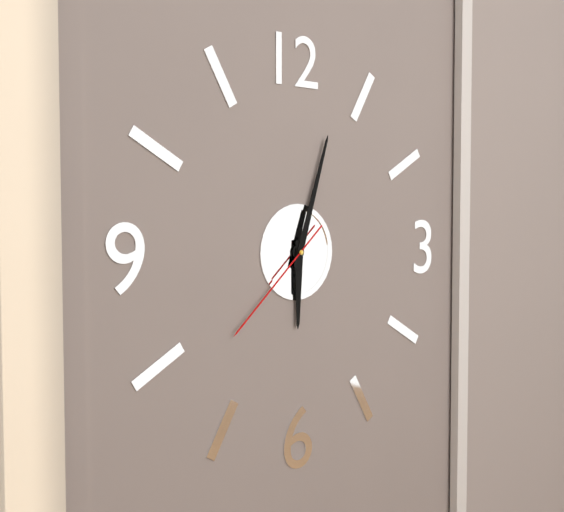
6.03.38
